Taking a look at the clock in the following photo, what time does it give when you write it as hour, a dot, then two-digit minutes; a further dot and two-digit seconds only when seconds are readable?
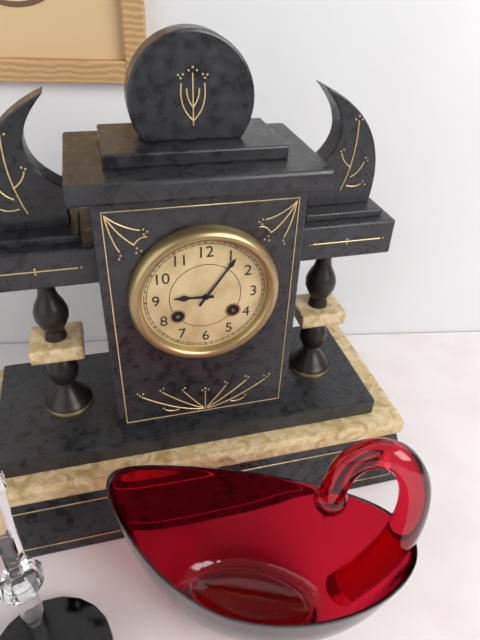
9.06
